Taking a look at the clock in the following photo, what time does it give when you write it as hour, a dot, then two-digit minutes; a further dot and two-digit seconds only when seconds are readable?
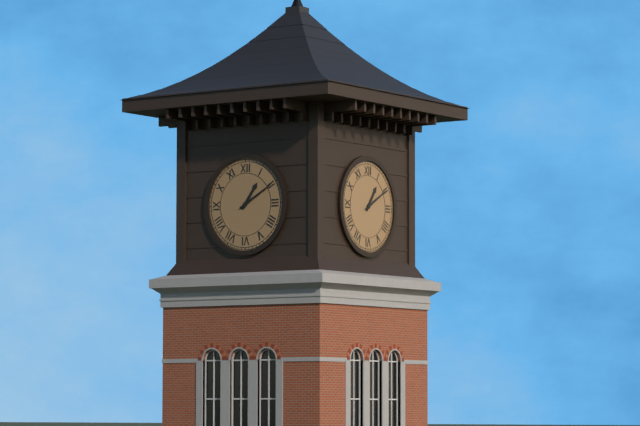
1.10
